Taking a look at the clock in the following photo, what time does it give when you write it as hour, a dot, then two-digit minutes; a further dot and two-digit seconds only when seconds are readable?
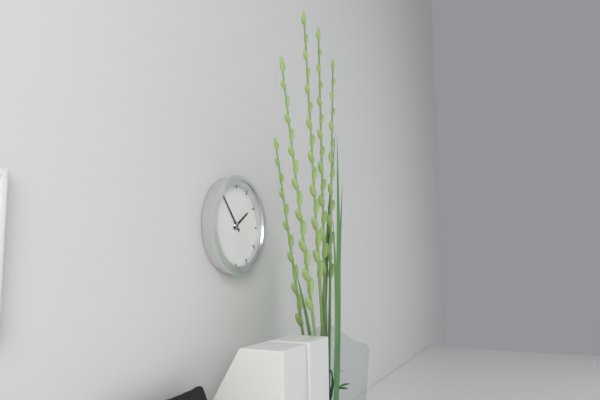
1.53
